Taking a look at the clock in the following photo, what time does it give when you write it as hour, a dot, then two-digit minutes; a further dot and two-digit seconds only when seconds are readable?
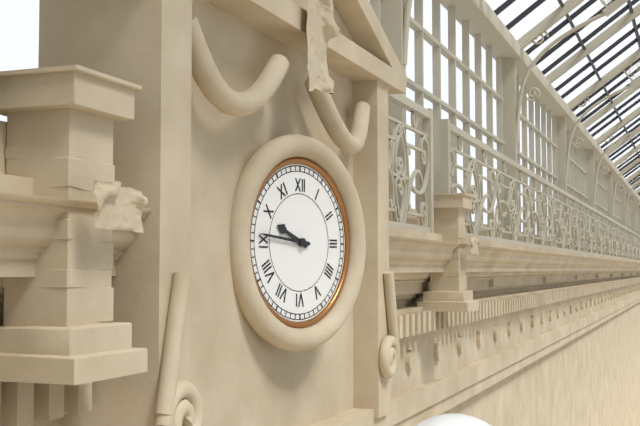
9.46
